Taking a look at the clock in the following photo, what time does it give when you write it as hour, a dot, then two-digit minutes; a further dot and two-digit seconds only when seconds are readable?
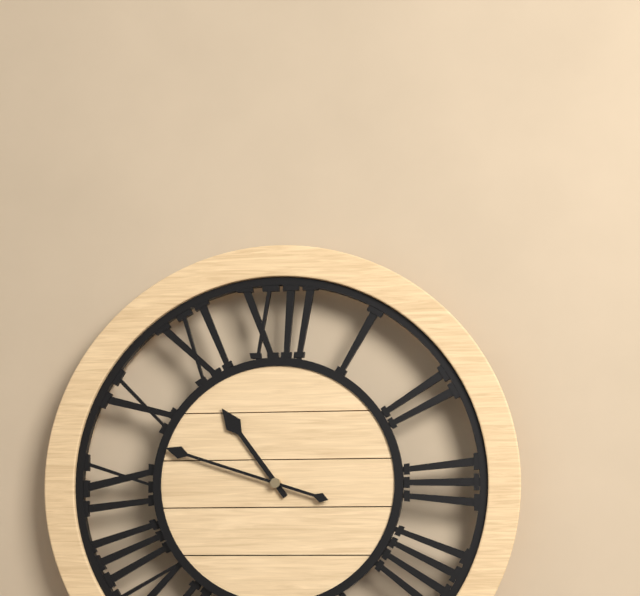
10.48
